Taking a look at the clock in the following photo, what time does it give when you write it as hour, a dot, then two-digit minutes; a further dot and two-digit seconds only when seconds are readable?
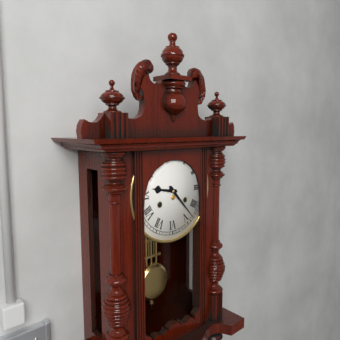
9.23
